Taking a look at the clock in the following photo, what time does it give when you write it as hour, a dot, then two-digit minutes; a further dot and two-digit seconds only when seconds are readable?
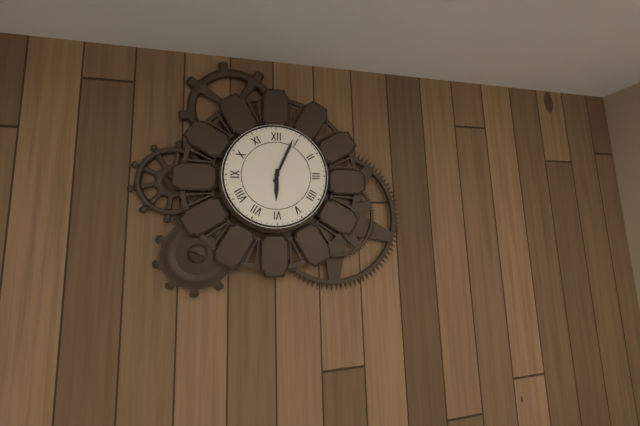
6.04
